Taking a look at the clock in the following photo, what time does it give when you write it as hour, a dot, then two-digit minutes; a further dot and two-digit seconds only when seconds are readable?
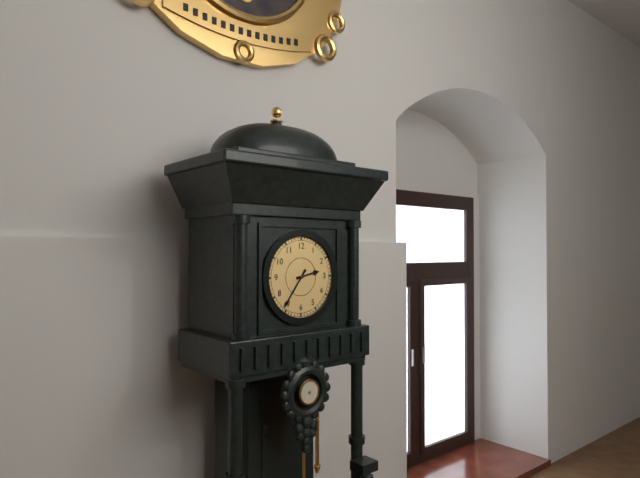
2.36
